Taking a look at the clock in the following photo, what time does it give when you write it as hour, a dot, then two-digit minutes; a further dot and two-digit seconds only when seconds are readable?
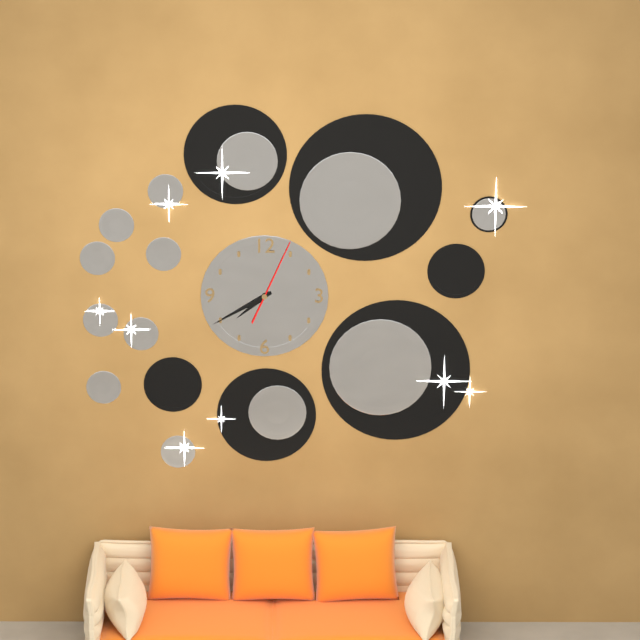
7.40.04
